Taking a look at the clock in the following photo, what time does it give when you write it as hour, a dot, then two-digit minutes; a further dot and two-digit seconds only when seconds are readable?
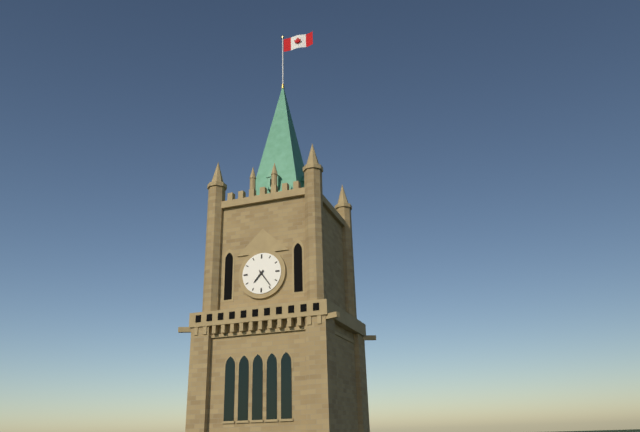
7.24
